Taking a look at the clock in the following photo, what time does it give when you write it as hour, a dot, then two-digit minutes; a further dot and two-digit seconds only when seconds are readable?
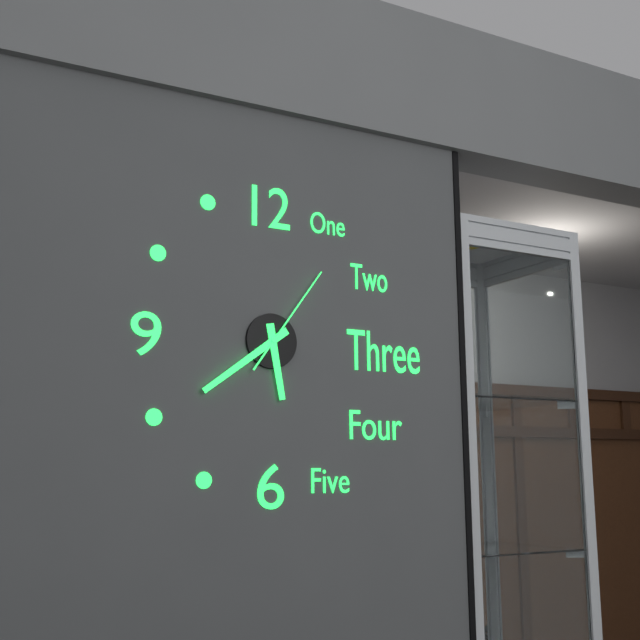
5.39.06
